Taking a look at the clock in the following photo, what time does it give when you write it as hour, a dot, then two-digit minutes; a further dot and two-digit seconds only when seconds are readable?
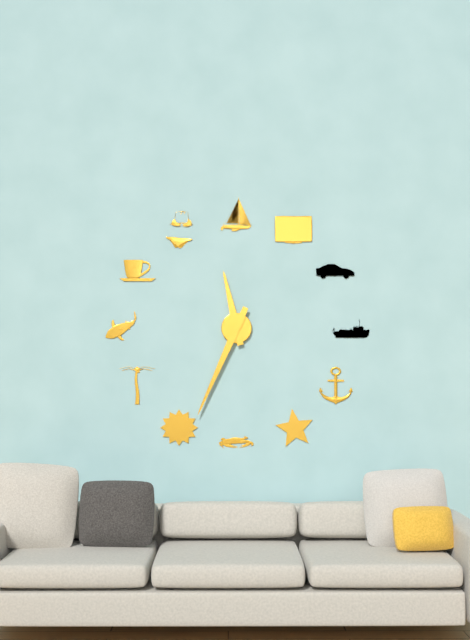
11.34
